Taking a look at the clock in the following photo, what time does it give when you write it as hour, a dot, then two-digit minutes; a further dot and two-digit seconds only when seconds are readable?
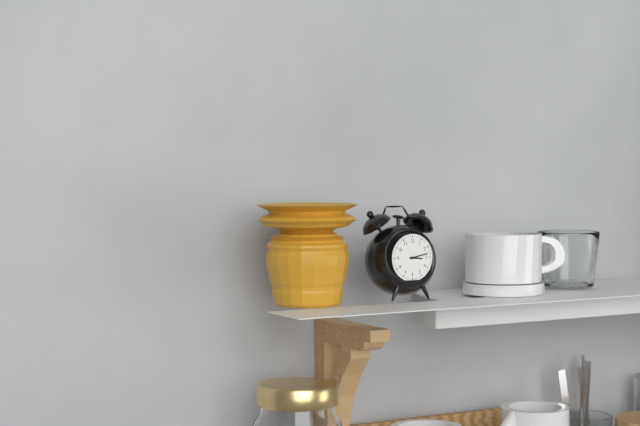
3.13
